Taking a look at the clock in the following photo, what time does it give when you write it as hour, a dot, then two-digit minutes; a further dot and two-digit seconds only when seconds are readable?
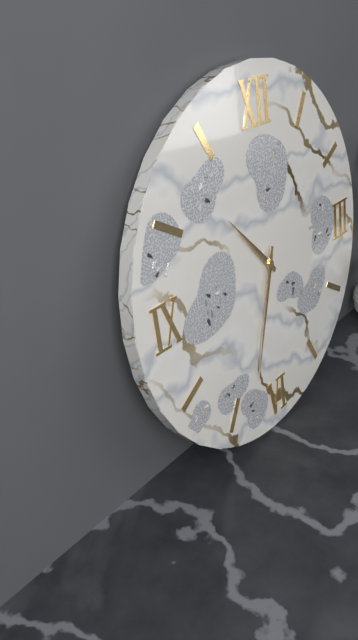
10.33
